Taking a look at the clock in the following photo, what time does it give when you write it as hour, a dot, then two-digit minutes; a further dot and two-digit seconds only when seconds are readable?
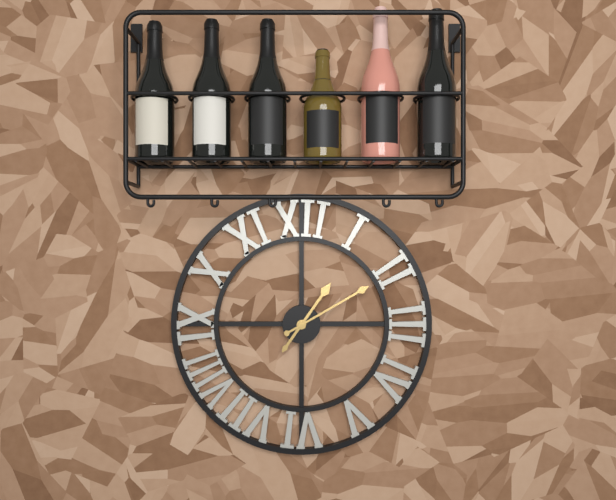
1.10
